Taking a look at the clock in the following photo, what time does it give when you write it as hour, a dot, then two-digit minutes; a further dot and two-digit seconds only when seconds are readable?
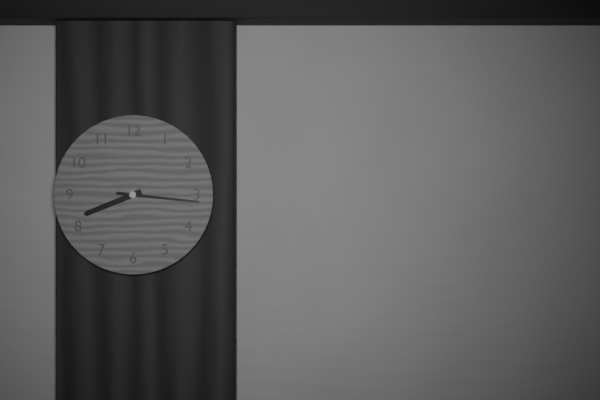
8.16
